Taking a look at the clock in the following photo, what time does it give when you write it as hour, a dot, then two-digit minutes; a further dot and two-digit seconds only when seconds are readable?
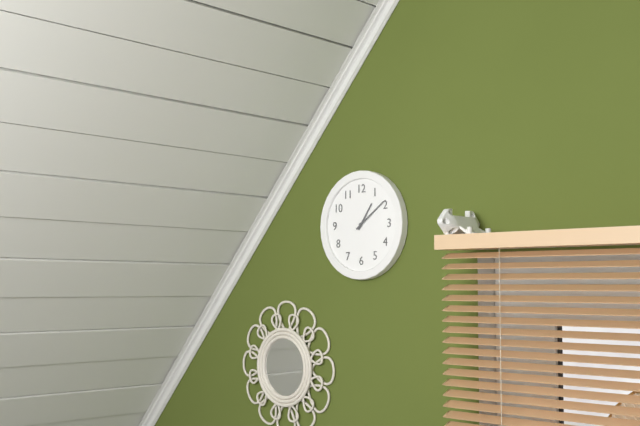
1.09
